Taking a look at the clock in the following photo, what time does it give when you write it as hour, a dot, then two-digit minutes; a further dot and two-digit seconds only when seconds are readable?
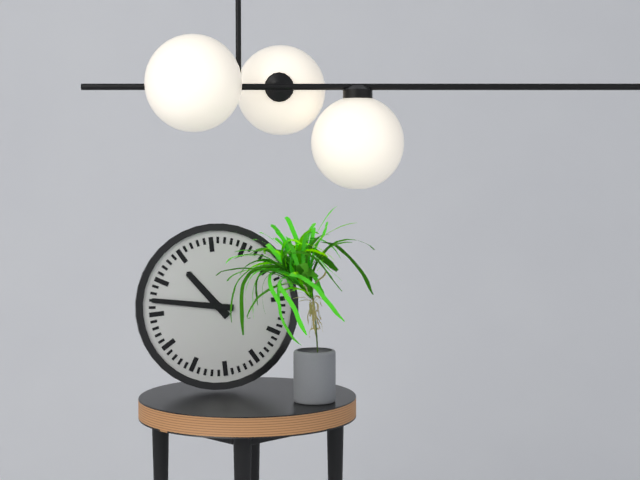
10.47
